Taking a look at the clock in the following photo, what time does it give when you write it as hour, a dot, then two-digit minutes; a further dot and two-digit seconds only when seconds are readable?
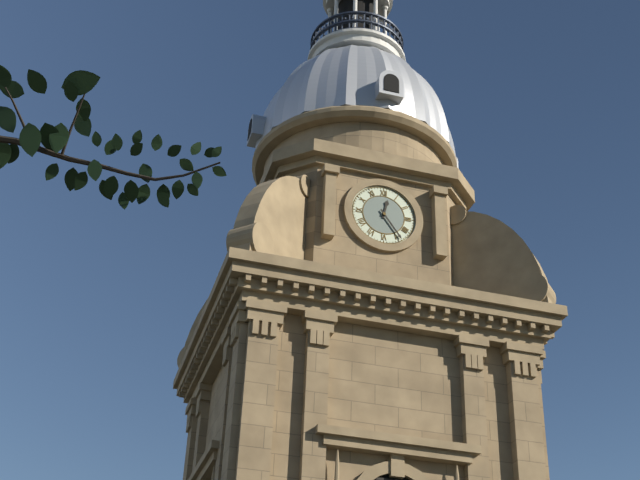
12.24
